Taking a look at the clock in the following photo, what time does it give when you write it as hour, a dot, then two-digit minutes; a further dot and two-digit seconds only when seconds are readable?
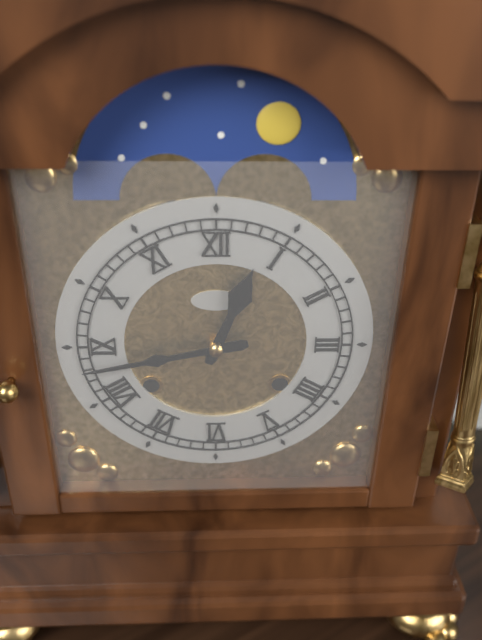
12.43
